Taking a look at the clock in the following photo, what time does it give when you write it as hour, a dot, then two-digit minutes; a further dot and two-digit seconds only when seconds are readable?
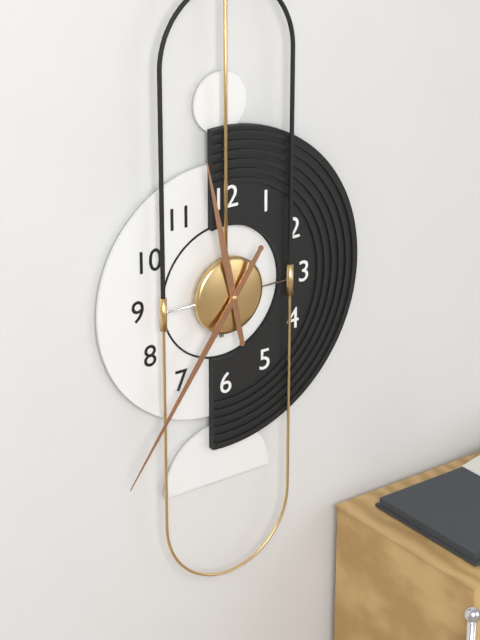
11.36
